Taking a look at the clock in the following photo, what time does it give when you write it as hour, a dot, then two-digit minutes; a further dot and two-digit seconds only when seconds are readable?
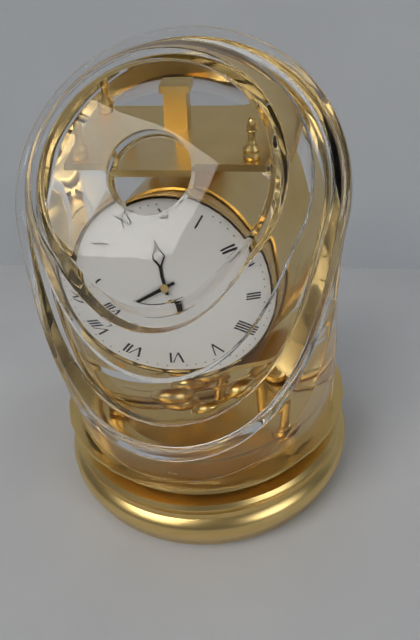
11.40
